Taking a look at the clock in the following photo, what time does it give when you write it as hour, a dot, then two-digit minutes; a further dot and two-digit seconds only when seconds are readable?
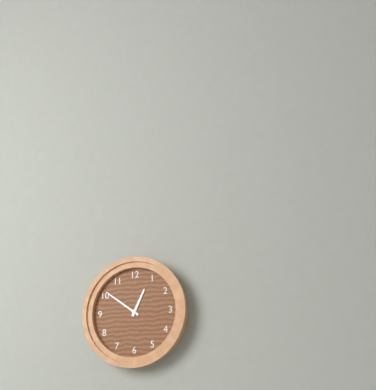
12.51
